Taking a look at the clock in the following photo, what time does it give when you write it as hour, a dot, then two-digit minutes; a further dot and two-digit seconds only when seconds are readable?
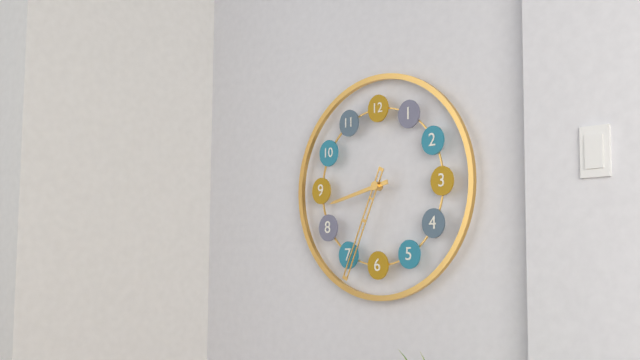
8.34
